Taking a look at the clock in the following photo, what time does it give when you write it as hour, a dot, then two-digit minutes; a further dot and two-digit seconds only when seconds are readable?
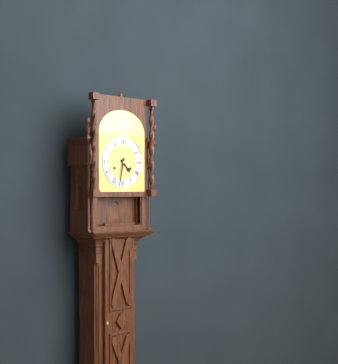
4.32
